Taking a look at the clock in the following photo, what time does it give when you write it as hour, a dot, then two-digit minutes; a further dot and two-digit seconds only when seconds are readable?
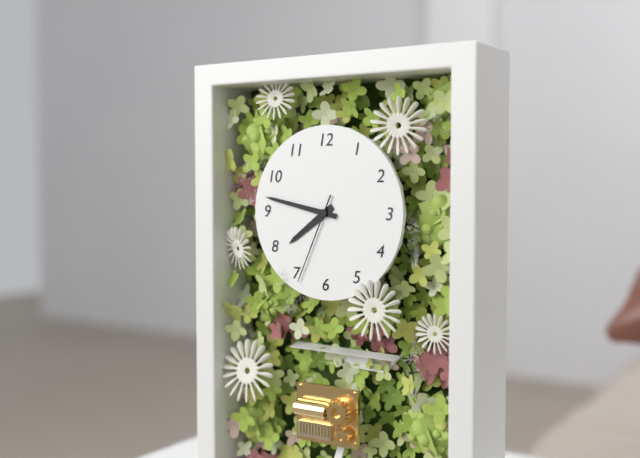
7.47.34
